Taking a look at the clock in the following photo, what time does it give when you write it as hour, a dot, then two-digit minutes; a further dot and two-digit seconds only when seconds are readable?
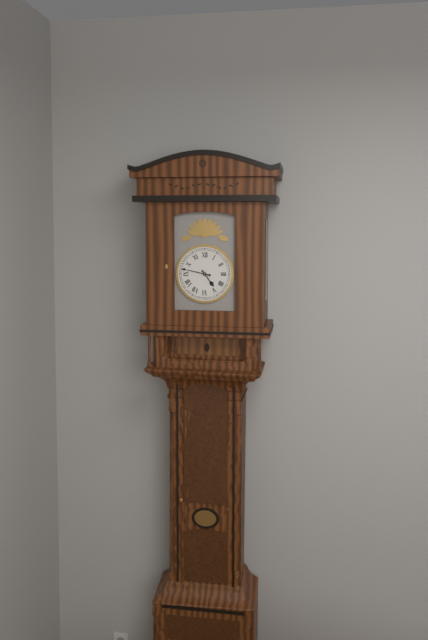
4.47
